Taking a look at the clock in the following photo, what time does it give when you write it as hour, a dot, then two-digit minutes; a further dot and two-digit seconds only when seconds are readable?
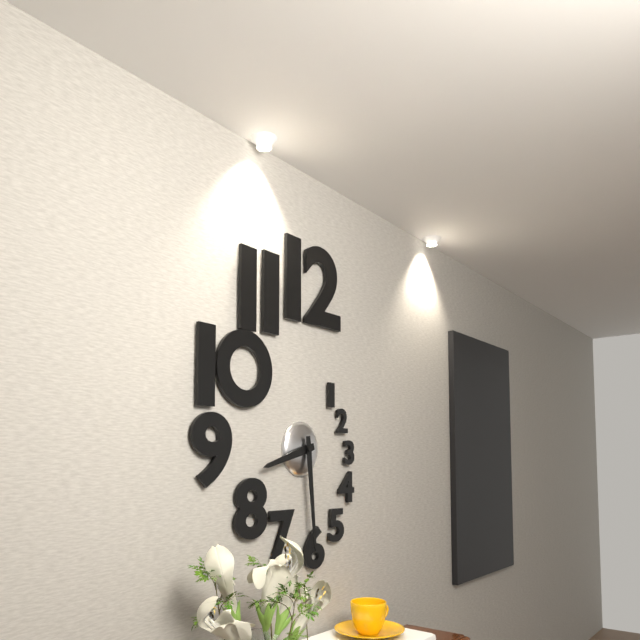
8.29
